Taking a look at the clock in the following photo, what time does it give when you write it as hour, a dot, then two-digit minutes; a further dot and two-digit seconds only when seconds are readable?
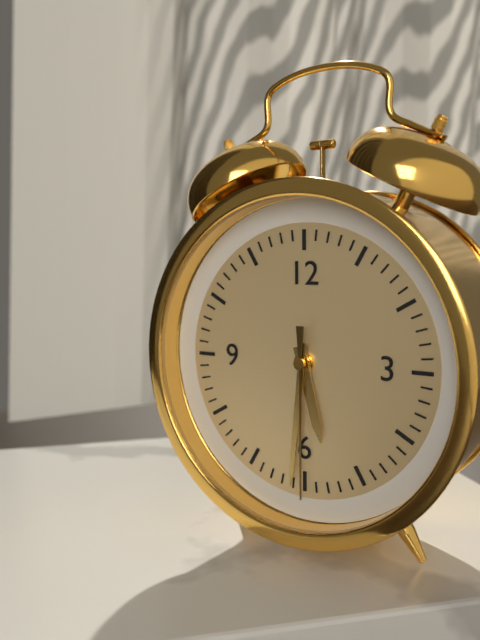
5.31.30
